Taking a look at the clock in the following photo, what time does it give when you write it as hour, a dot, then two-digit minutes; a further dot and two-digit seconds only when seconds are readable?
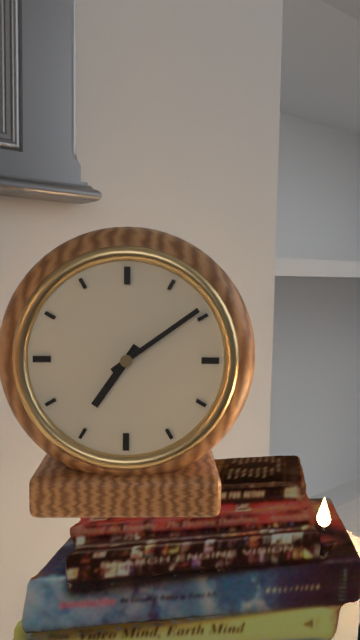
7.09
